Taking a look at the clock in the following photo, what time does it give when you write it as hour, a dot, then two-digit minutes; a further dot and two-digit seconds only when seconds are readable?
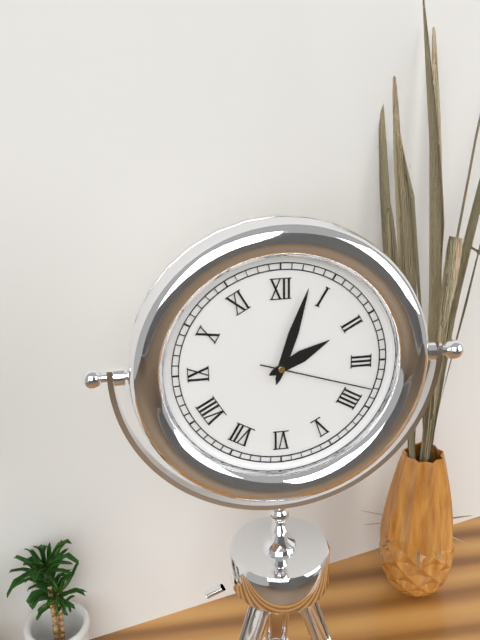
2.03.18
